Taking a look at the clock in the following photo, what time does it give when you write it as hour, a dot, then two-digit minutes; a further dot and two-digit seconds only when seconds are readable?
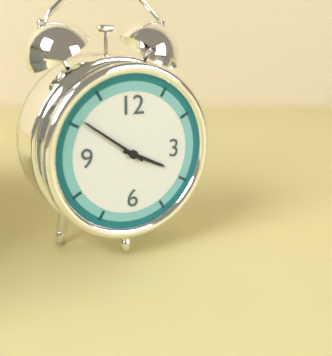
3.51
